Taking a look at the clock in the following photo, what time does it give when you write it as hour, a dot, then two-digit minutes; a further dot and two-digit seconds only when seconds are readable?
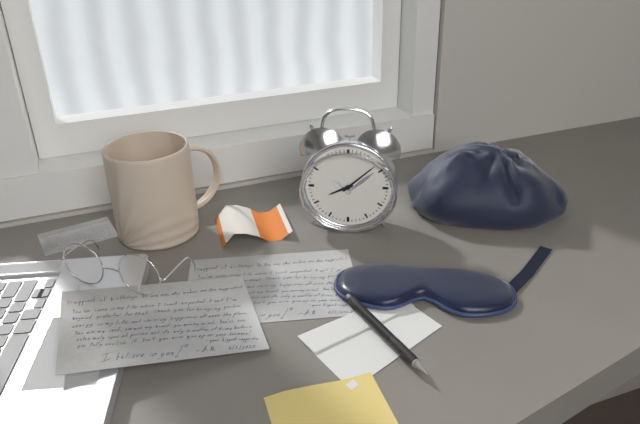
8.08
